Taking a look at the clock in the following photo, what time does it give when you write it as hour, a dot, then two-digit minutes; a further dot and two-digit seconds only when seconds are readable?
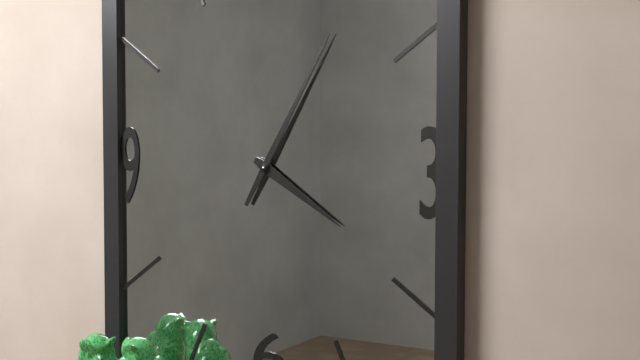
4.05
